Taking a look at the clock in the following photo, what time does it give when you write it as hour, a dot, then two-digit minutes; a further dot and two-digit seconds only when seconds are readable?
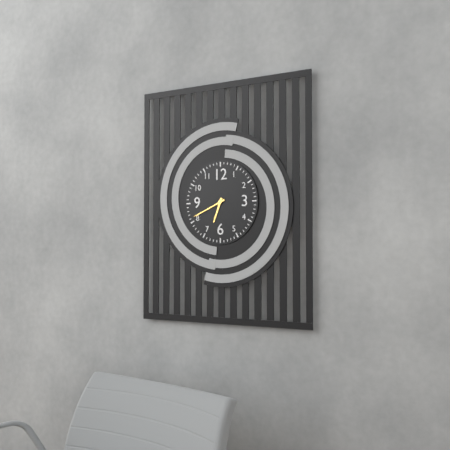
6.41
